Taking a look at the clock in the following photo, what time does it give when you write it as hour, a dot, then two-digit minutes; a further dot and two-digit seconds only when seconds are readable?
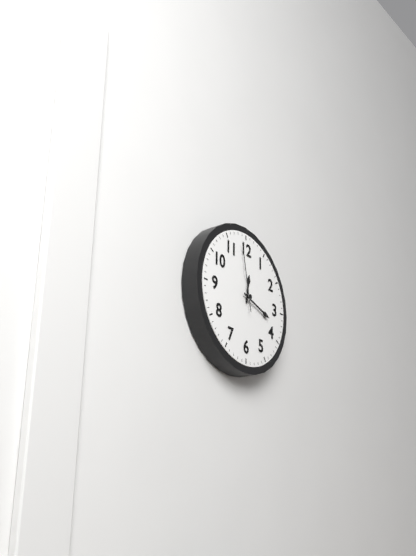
12.18.58
